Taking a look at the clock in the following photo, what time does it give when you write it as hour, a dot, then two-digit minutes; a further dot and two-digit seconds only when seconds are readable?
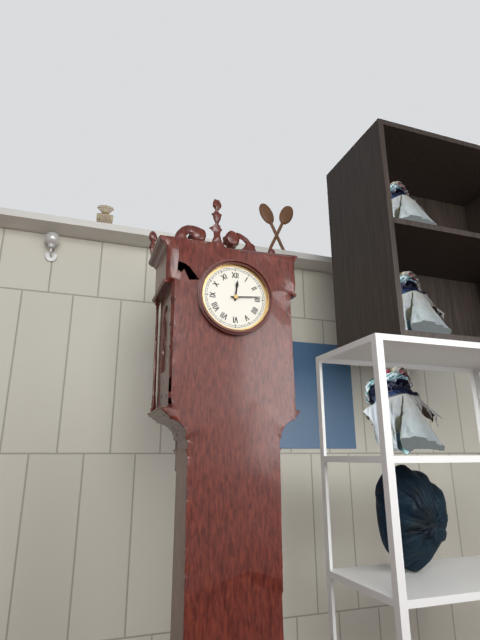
12.14
